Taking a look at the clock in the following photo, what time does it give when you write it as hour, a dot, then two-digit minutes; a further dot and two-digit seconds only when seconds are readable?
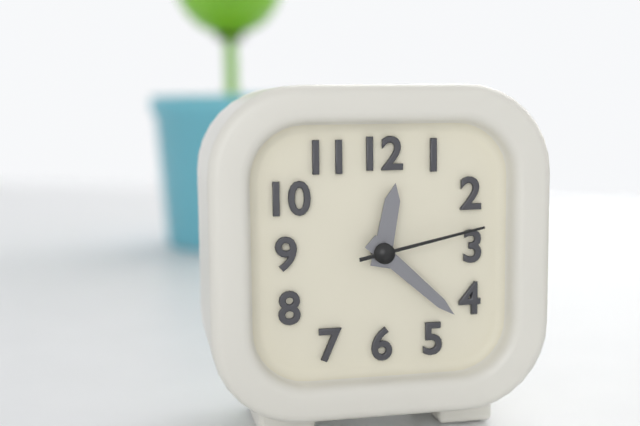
12.22.13
